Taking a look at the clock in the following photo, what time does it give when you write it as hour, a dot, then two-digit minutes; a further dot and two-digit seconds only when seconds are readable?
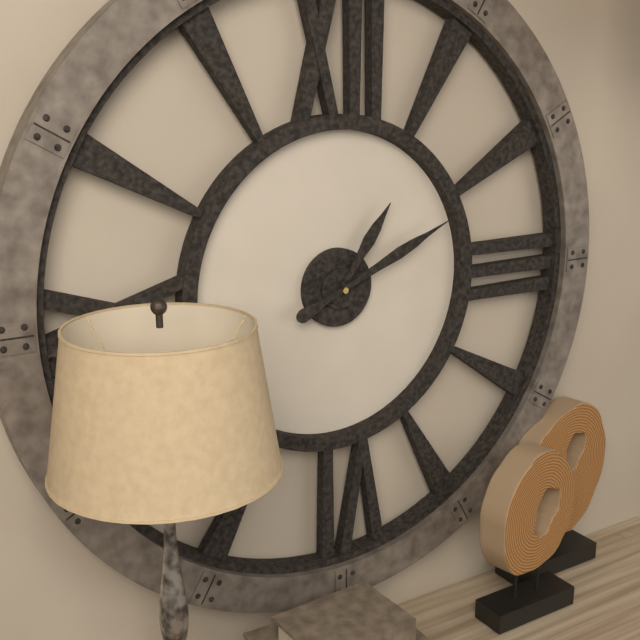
1.11
